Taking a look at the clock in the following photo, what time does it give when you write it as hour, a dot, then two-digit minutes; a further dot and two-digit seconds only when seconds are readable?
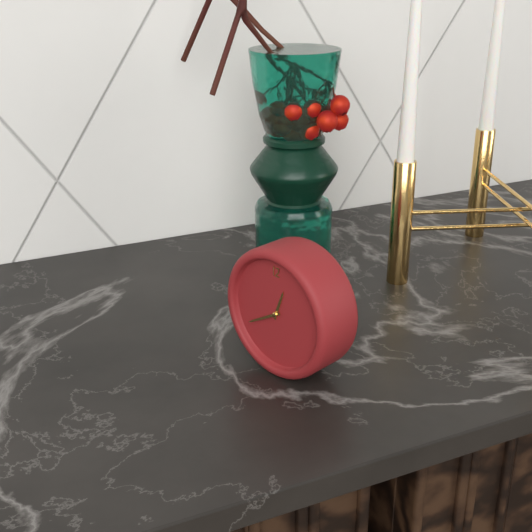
12.40
